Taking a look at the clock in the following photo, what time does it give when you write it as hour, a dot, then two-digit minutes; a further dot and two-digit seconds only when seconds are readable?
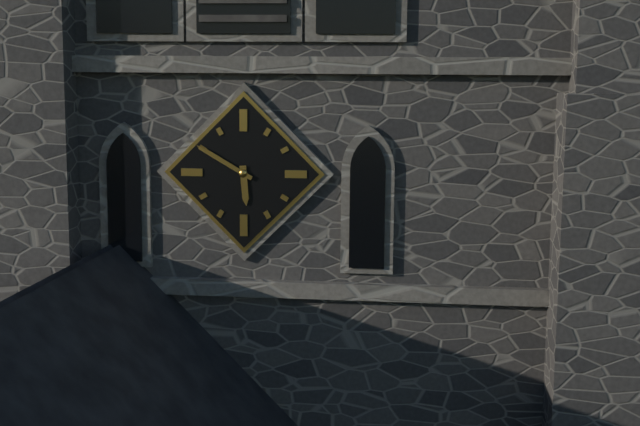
5.50
